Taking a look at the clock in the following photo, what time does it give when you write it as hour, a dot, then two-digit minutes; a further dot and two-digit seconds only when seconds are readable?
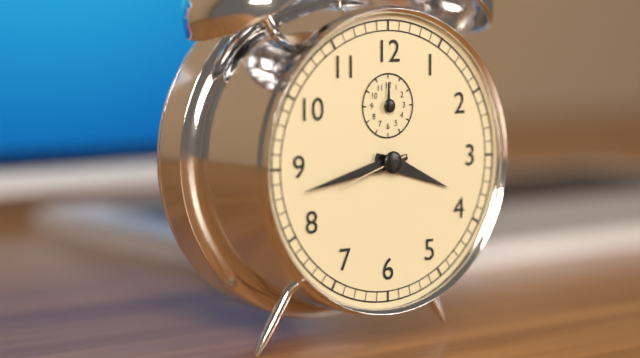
3.43.42
